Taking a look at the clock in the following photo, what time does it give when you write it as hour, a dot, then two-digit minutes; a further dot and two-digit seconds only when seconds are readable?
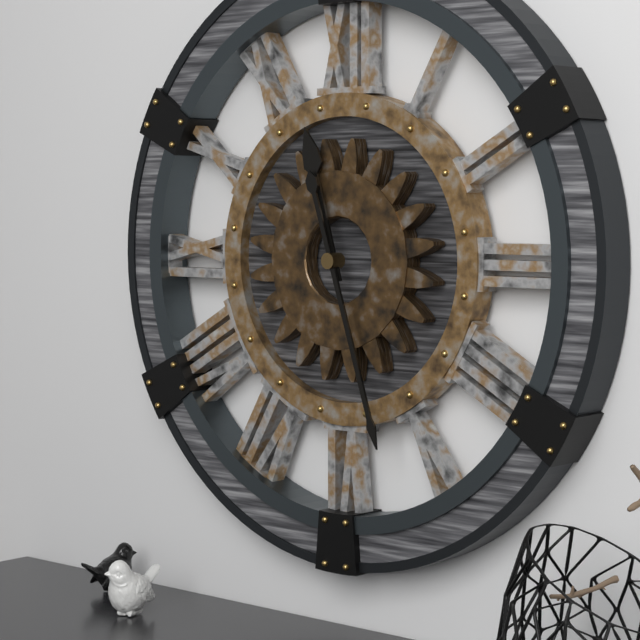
11.27
